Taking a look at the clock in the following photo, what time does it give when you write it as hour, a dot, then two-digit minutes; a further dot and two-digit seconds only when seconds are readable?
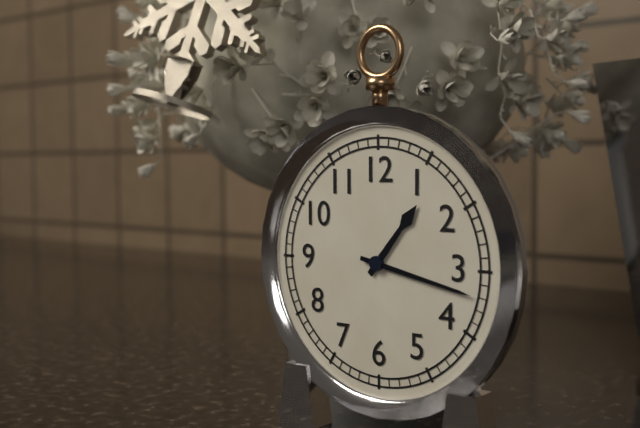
1.17
